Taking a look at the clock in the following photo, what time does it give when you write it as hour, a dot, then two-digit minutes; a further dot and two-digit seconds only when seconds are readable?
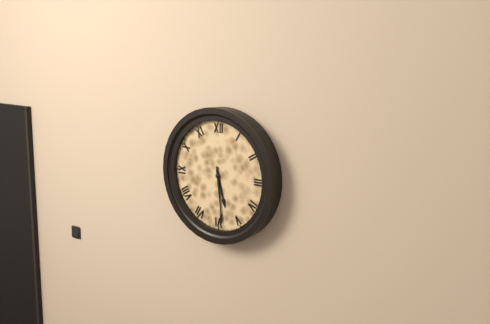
5.29
